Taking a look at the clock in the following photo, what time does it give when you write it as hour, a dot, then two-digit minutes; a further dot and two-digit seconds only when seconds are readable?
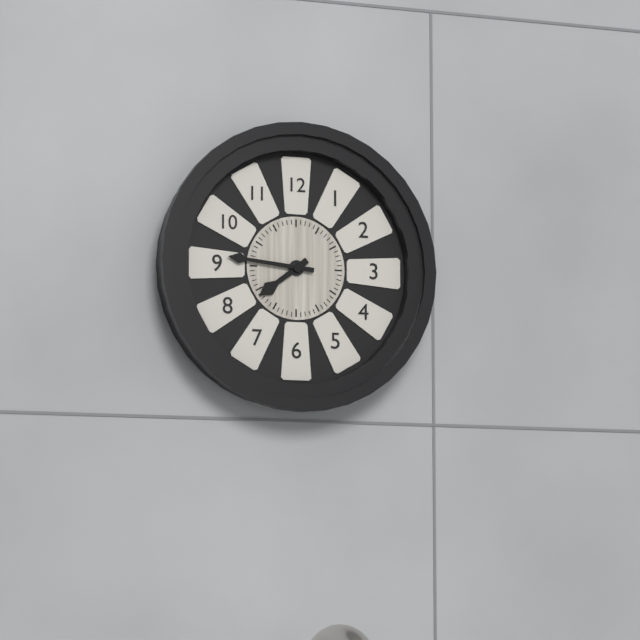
7.46
